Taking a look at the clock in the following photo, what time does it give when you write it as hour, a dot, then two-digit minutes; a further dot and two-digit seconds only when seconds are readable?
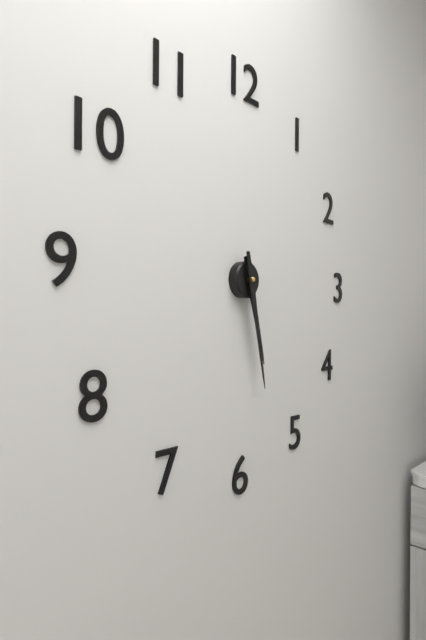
5.28
